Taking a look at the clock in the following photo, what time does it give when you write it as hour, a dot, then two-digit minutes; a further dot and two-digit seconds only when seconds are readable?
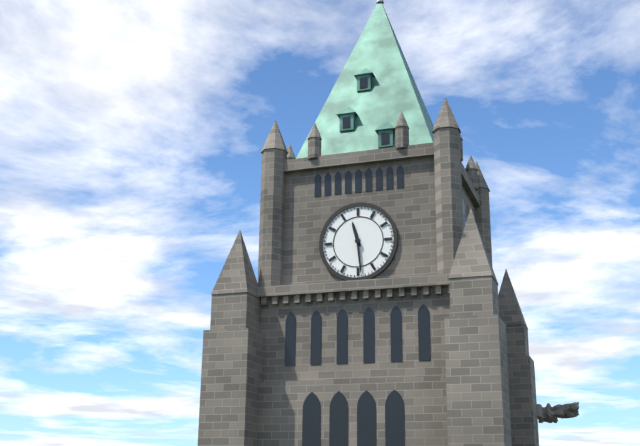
11.29
